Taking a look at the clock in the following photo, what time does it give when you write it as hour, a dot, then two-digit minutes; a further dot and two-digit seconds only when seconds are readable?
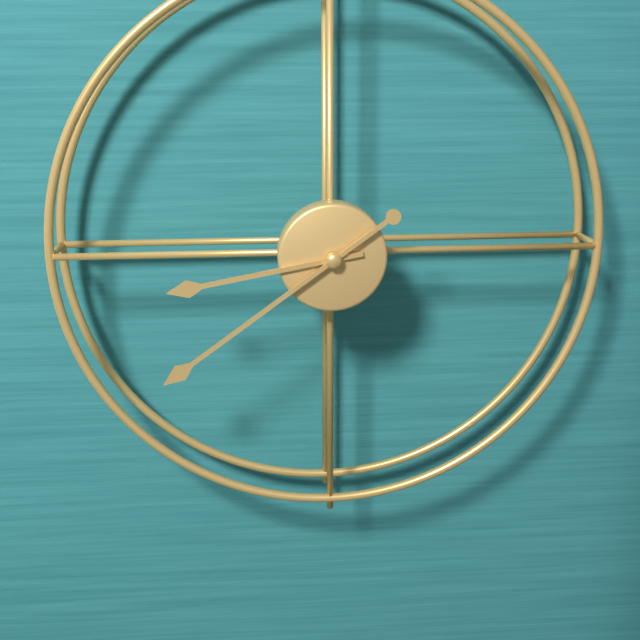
8.39
